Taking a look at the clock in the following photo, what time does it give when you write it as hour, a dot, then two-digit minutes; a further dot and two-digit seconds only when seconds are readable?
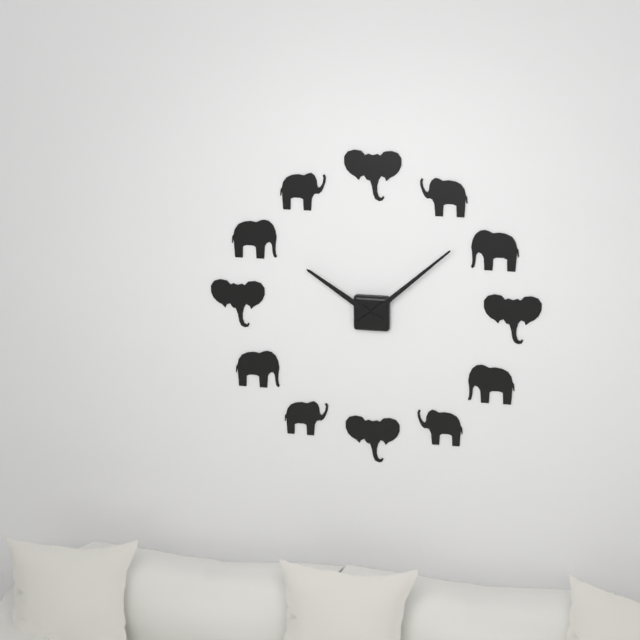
10.08
